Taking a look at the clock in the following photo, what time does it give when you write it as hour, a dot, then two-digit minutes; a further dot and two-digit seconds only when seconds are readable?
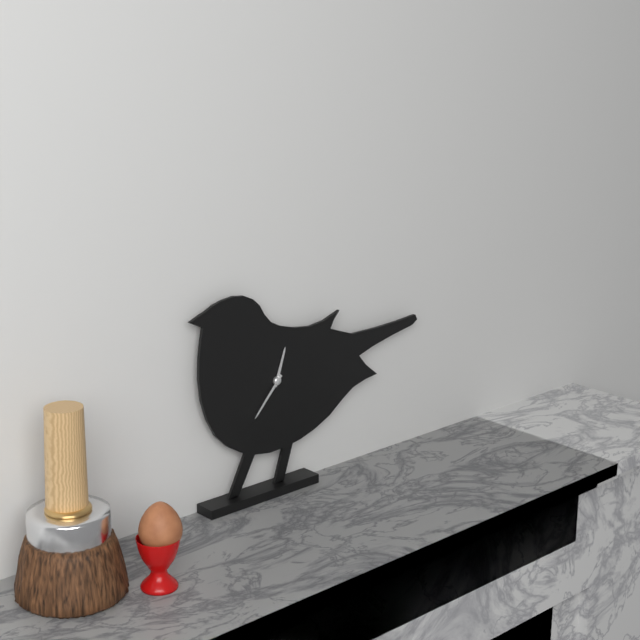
12.37
